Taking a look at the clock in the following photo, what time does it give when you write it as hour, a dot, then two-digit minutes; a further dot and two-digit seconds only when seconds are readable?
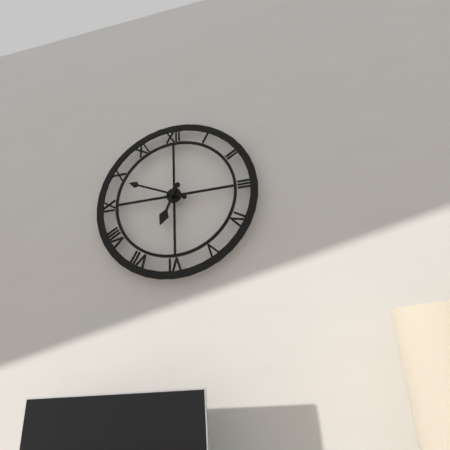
6.49
